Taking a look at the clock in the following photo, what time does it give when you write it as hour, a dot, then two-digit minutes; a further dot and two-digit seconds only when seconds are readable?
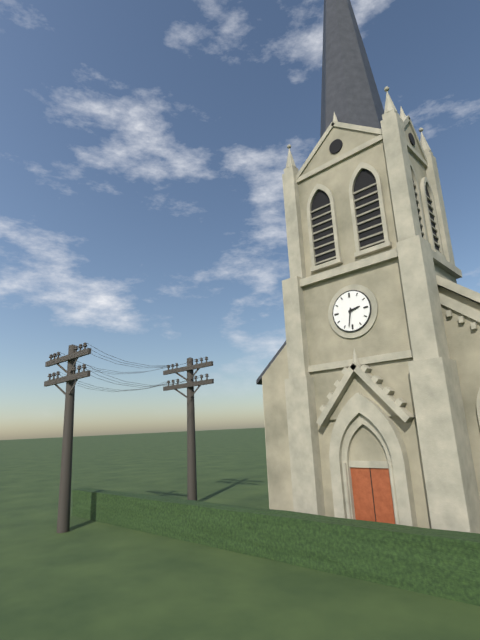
2.32
